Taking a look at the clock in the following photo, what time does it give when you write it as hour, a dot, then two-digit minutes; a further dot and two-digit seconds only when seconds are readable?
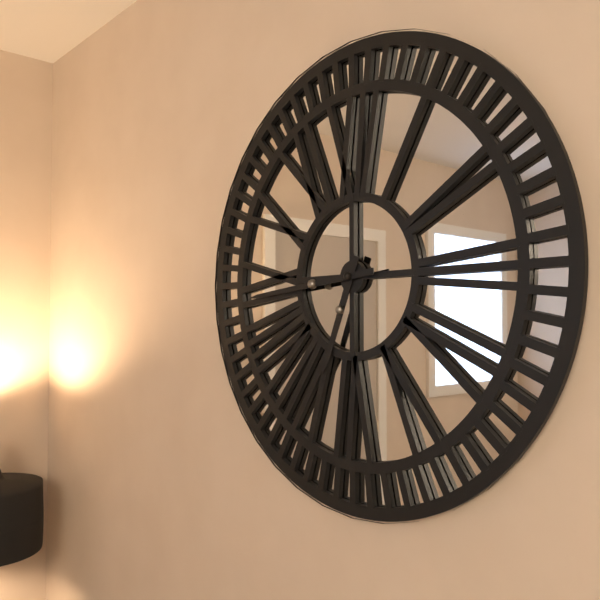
6.44
